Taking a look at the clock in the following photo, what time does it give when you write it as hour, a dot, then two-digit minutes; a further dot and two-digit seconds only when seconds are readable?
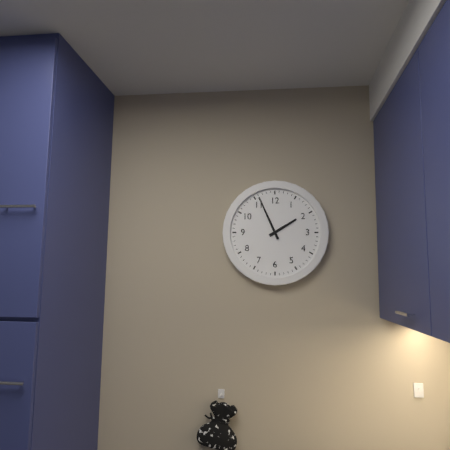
1.56
